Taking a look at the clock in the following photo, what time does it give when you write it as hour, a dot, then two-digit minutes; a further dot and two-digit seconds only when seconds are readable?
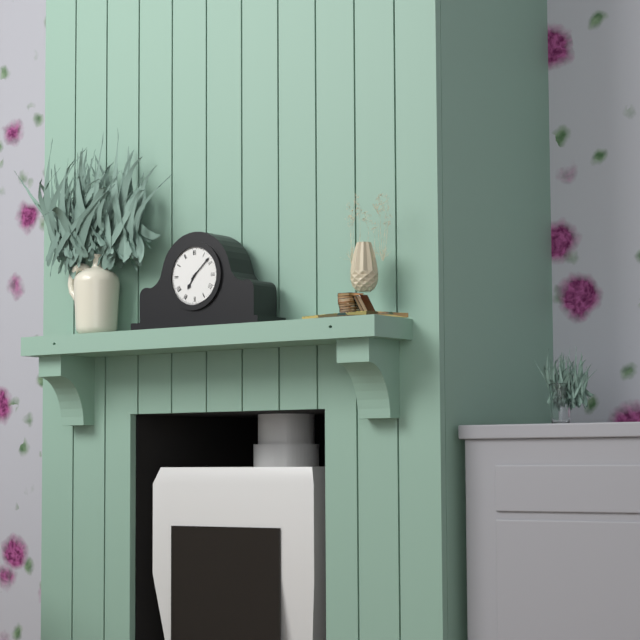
7.08
